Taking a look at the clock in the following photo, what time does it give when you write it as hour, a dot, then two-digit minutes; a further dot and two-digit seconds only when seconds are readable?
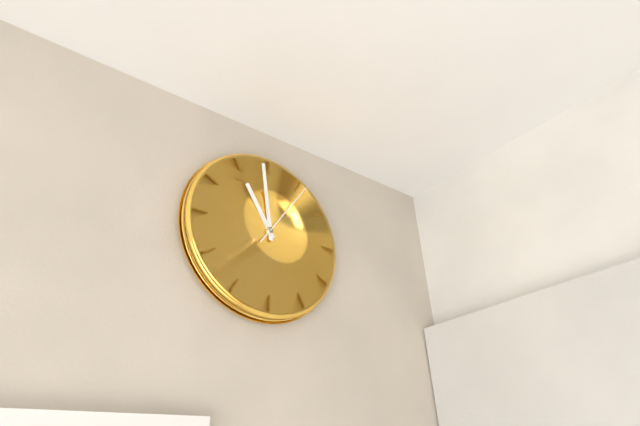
10.59.06
